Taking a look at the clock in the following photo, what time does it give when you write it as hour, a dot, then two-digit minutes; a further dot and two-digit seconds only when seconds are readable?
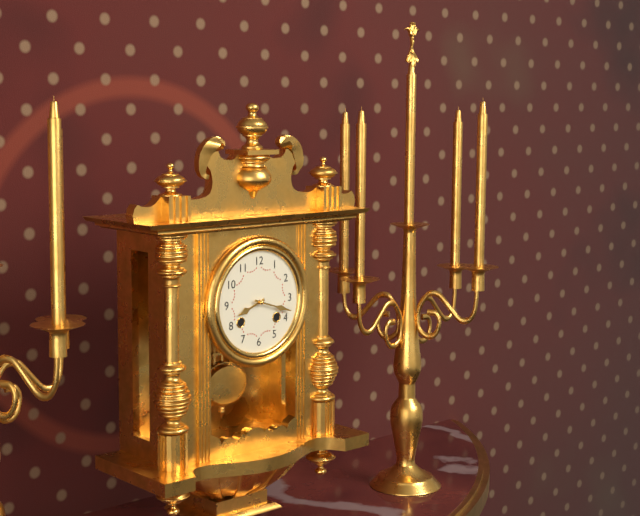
8.18
